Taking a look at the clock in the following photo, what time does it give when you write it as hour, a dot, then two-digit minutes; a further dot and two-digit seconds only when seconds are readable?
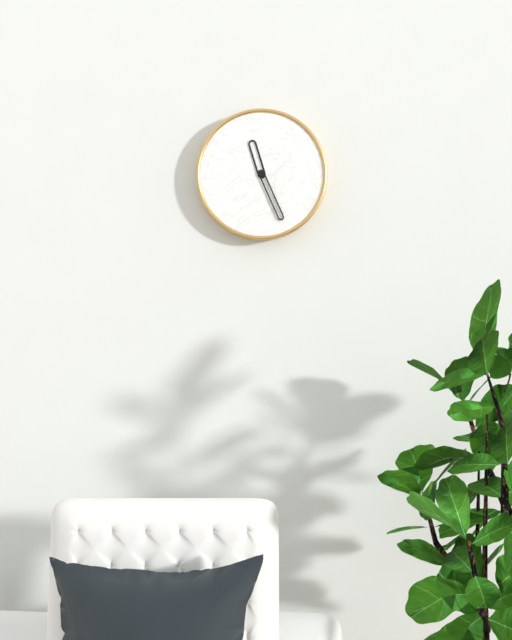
11.26
